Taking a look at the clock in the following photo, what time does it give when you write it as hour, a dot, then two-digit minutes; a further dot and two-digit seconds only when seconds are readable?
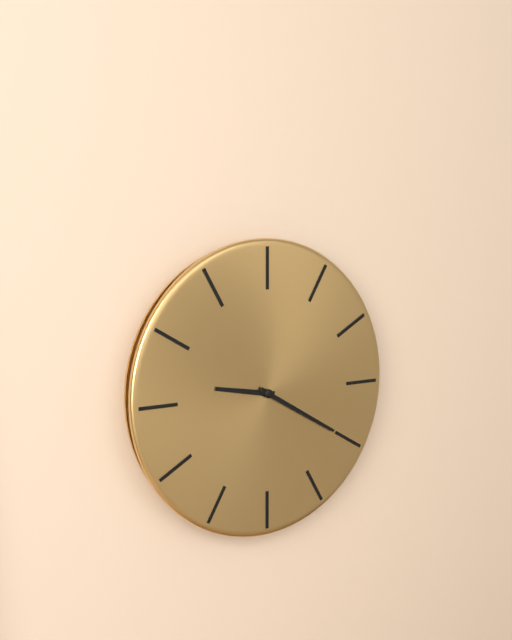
9.20
